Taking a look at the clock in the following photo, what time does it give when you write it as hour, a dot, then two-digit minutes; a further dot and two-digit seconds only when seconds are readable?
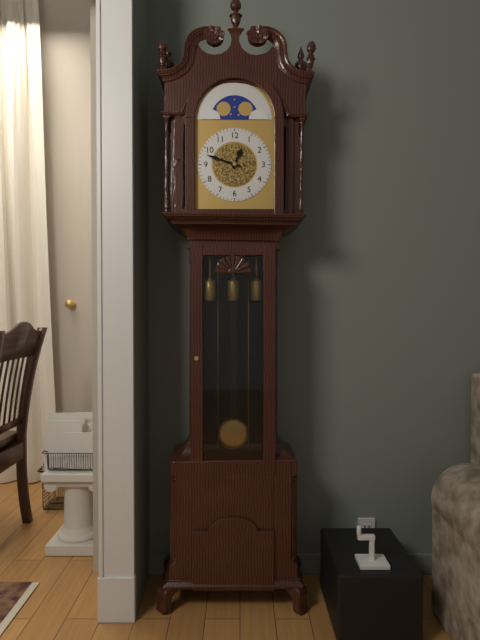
12.48
